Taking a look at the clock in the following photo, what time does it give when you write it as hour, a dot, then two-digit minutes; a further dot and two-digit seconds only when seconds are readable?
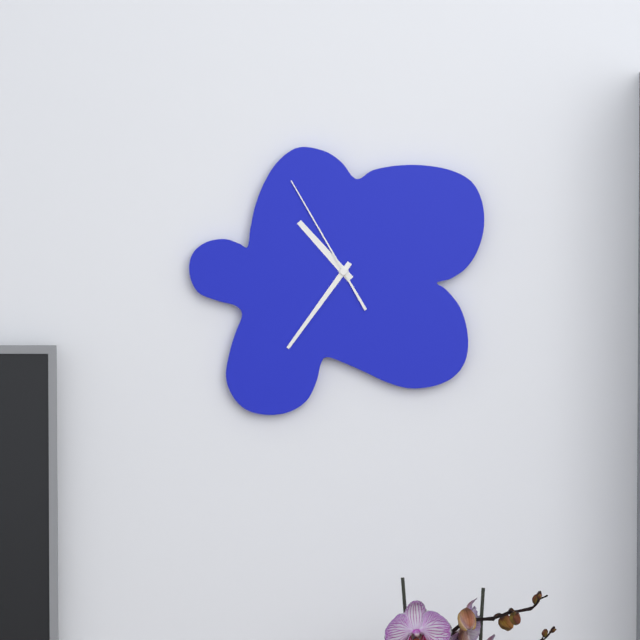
10.36.55
